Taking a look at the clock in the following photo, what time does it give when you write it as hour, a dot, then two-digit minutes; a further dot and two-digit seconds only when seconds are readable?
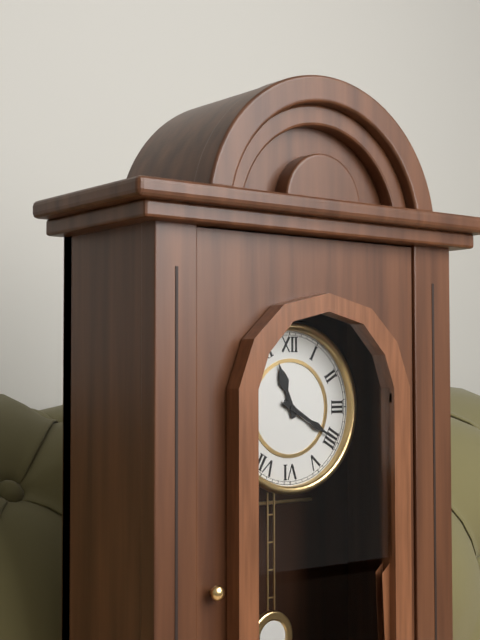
11.20
